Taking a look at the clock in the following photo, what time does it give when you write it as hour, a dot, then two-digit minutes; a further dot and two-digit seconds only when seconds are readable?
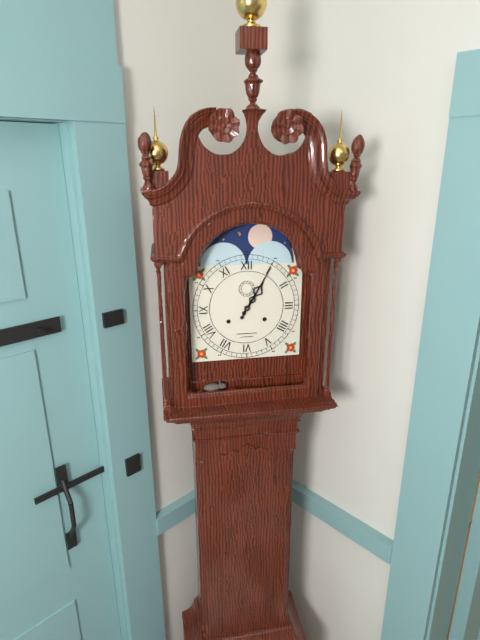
1.05
